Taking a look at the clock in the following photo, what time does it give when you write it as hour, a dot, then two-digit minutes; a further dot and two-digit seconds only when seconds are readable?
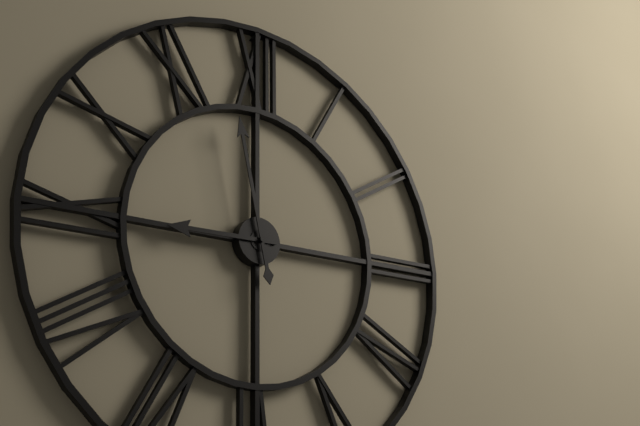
8.58
